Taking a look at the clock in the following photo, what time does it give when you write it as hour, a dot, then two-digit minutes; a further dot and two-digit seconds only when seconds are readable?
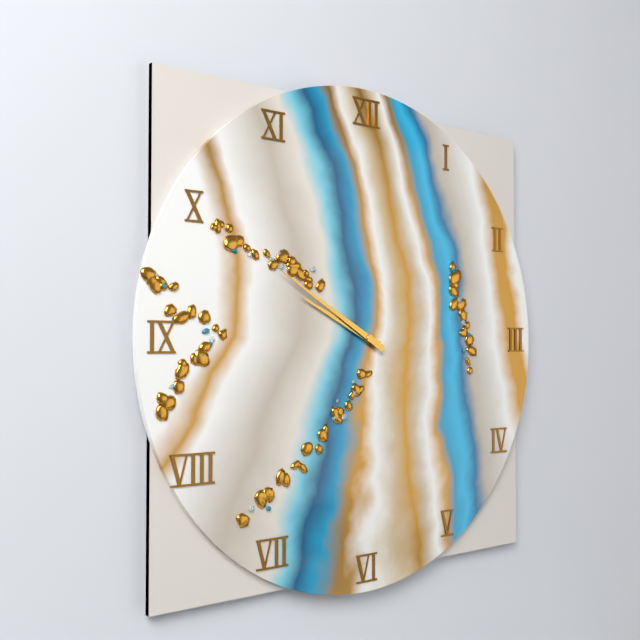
9.50
